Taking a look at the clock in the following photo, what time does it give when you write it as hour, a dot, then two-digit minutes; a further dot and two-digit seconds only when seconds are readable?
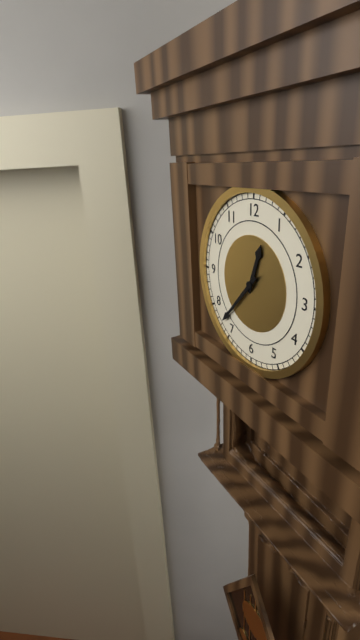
12.37
